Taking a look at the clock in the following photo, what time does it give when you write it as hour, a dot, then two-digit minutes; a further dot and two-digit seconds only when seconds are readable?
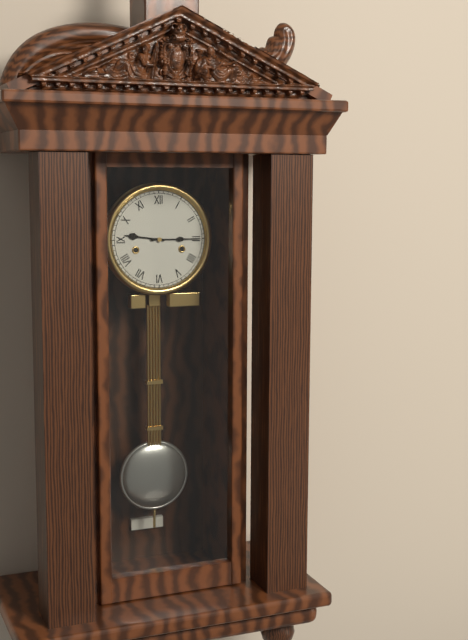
9.15
